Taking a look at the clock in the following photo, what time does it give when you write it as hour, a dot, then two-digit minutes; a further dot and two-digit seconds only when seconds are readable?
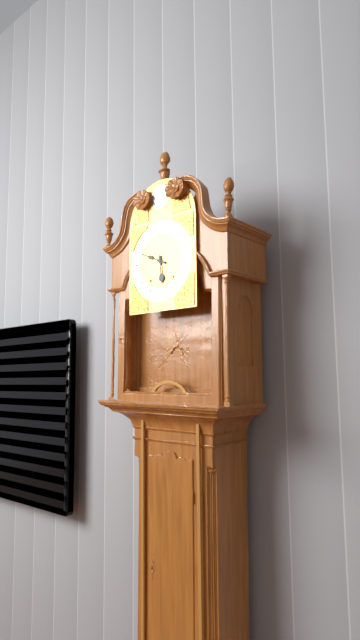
5.49
